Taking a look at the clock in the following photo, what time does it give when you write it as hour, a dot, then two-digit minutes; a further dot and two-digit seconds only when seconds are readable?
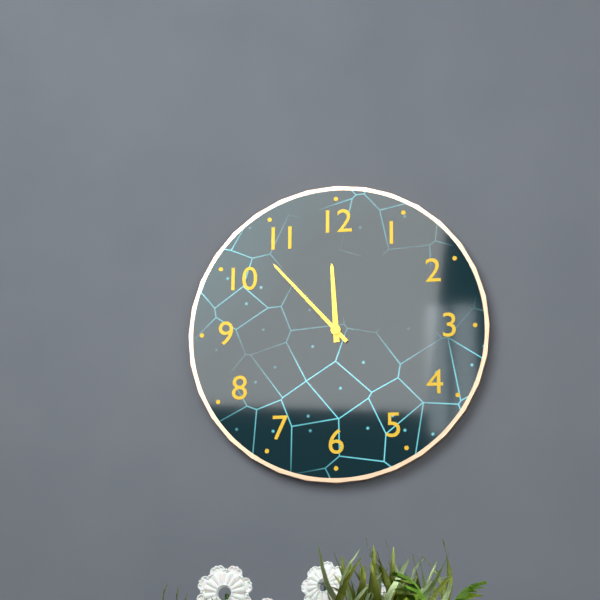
11.53
